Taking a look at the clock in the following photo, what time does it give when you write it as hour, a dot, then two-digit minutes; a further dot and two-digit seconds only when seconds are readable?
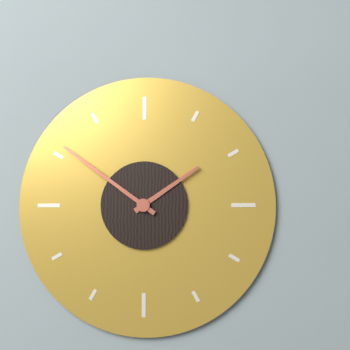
1.51
